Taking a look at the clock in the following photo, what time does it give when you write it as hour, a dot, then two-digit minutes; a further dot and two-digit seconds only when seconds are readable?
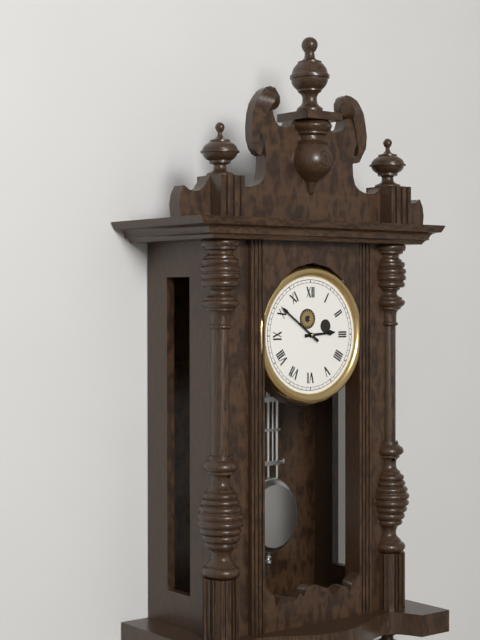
2.51
